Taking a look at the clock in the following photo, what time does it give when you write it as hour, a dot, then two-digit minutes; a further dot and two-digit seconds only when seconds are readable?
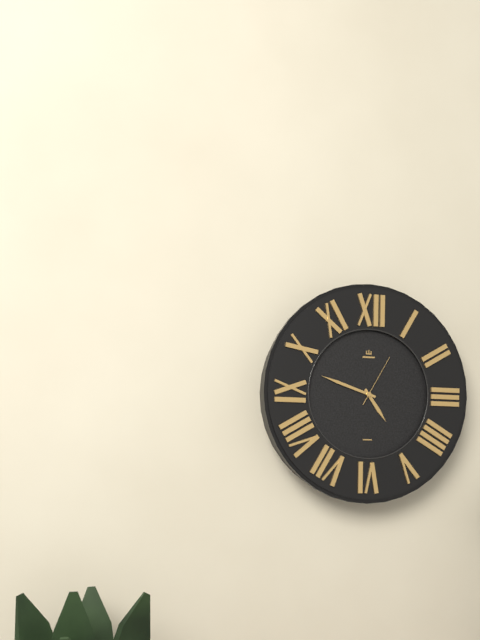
4.48.05
